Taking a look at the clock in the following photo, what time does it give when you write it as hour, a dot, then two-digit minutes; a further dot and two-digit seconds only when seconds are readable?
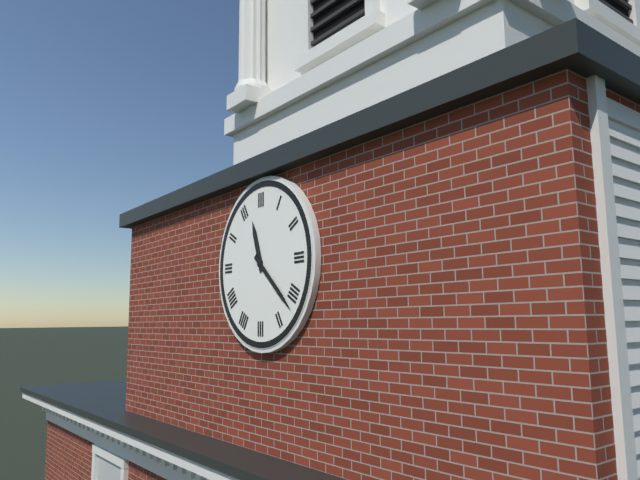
11.22
